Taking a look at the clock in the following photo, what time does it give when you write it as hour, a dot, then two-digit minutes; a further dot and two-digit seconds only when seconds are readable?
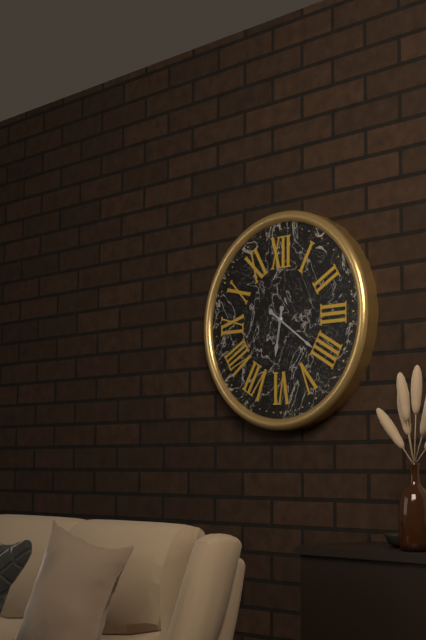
6.21
